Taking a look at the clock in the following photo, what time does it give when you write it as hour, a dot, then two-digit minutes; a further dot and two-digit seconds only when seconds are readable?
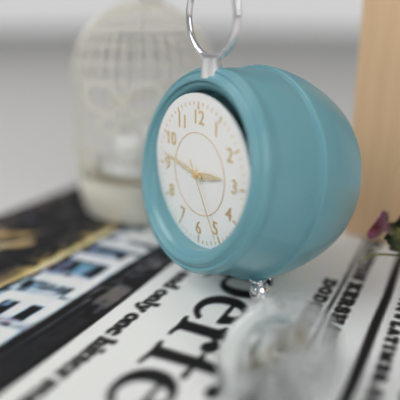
2.47.25
